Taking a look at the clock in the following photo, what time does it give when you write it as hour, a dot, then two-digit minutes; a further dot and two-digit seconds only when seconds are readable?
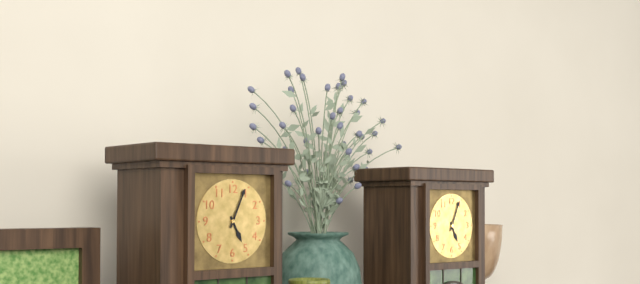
5.04
